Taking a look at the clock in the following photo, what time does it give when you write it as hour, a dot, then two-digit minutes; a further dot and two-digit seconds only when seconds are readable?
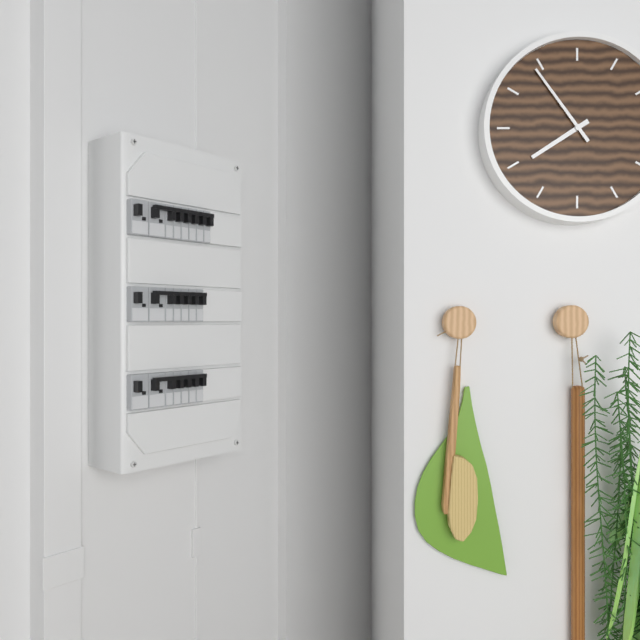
7.54
